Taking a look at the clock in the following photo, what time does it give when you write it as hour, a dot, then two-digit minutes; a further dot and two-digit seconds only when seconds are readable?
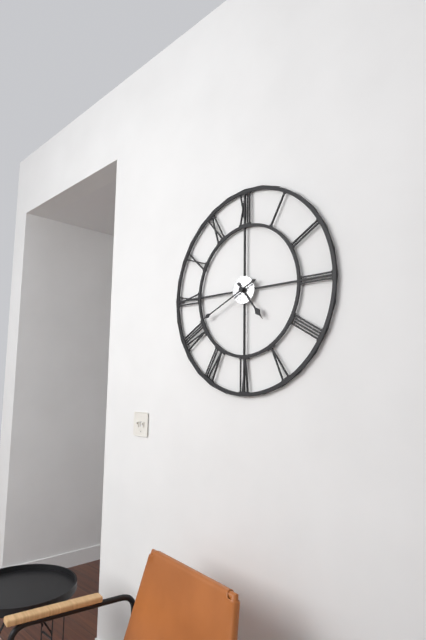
4.41
